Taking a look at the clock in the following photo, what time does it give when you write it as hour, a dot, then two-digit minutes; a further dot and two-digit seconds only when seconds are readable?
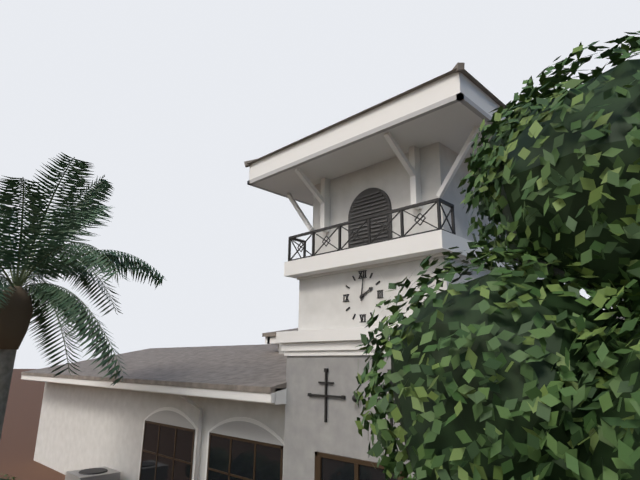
2.01
